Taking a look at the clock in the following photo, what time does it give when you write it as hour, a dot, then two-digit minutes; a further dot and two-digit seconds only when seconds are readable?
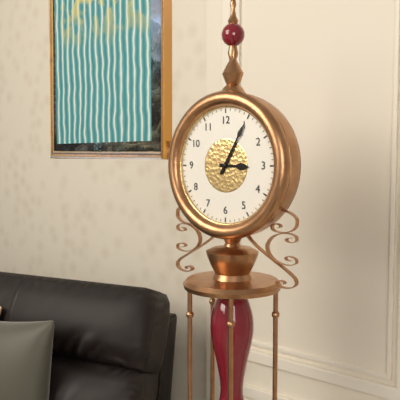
3.05
